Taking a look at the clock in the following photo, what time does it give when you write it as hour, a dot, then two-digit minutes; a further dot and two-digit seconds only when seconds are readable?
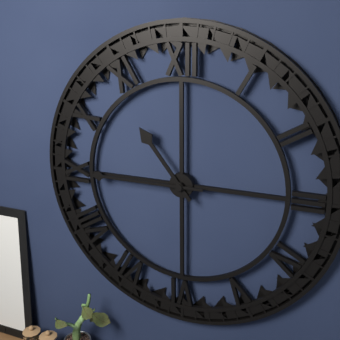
10.45
